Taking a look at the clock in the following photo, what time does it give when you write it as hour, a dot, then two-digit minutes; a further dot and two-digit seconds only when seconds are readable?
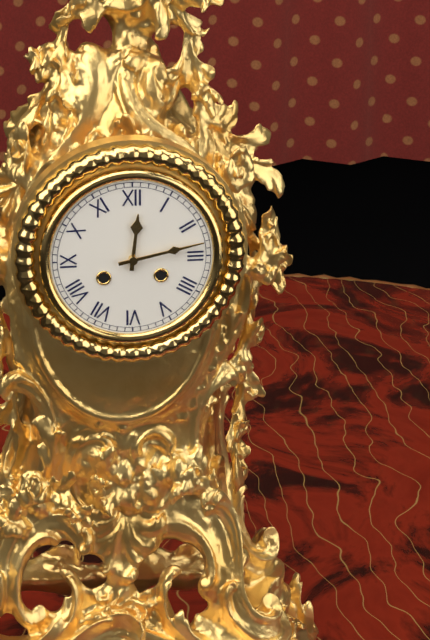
12.13
